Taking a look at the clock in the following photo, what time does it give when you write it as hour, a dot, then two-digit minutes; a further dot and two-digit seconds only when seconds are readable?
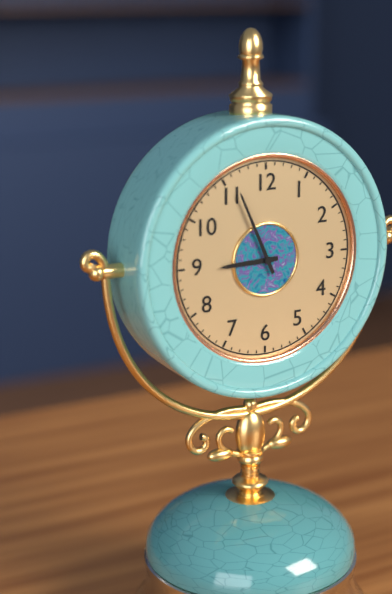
8.56
